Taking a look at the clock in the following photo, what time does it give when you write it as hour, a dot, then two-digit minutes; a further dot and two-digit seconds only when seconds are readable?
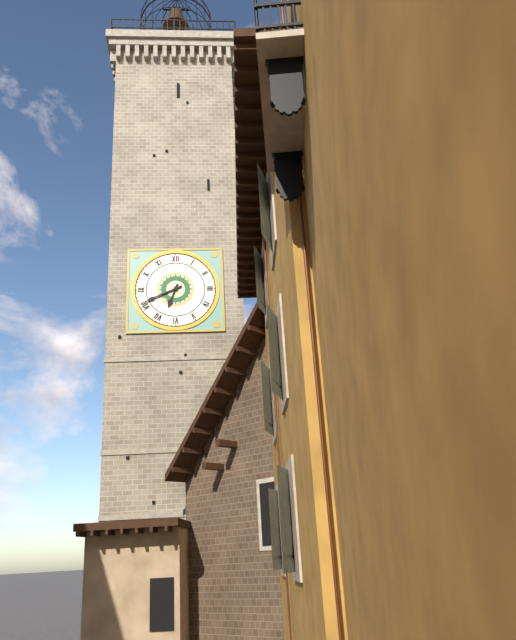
6.41
